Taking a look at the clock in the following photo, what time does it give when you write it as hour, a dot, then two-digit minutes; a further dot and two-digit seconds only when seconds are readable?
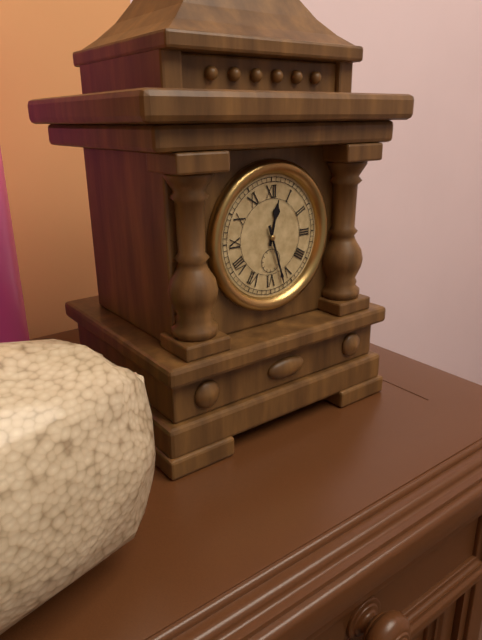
12.27
